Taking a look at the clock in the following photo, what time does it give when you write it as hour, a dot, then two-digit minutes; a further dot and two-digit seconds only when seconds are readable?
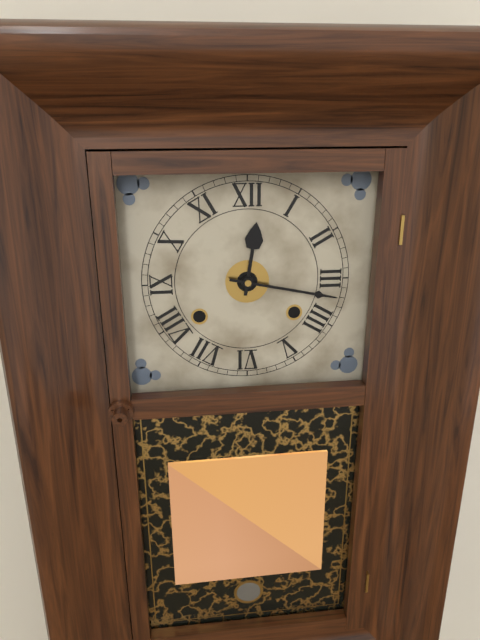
12.17
